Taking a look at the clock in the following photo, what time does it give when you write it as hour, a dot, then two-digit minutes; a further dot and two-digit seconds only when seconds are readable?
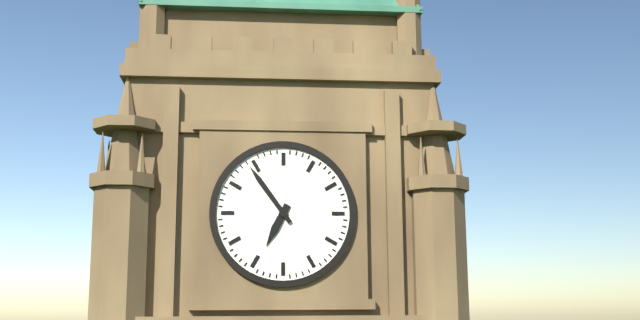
6.54
